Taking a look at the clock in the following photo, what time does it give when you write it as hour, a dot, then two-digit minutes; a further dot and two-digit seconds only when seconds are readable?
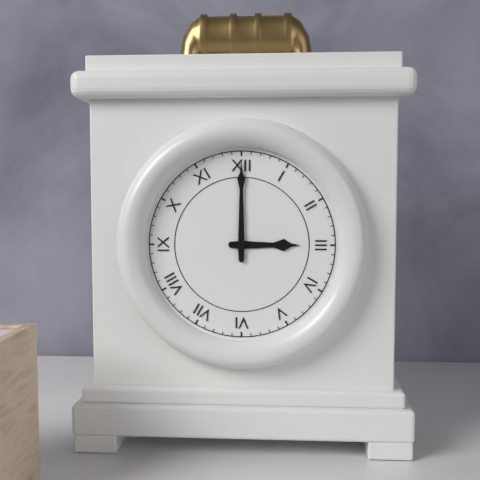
3.00
